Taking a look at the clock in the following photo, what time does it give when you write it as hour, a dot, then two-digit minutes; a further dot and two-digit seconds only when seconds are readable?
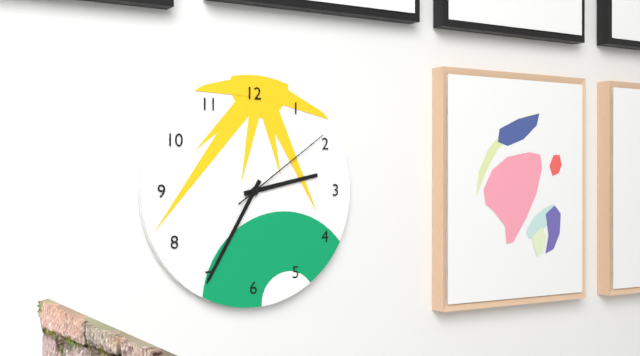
2.35.09
